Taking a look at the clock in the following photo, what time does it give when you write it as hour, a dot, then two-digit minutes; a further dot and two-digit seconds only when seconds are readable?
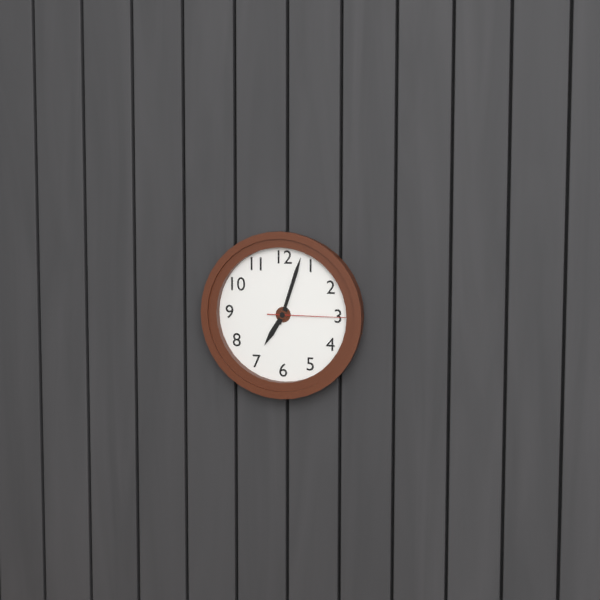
7.03.15
